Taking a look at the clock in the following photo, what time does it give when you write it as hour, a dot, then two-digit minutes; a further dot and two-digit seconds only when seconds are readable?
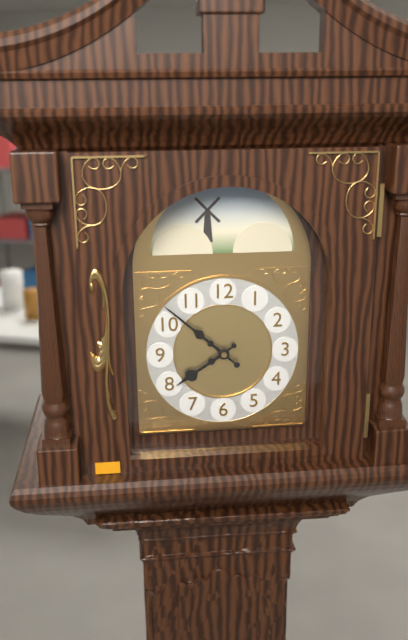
7.52
